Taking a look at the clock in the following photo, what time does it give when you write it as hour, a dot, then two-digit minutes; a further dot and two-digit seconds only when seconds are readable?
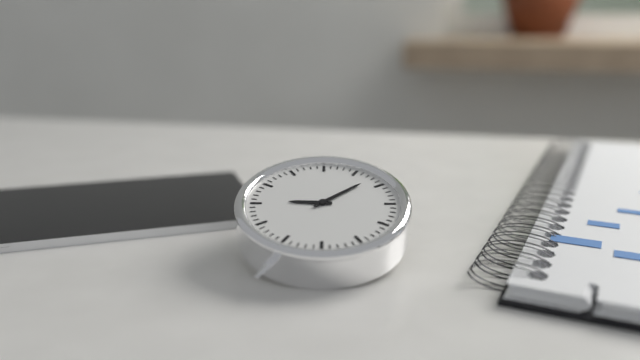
9.08
